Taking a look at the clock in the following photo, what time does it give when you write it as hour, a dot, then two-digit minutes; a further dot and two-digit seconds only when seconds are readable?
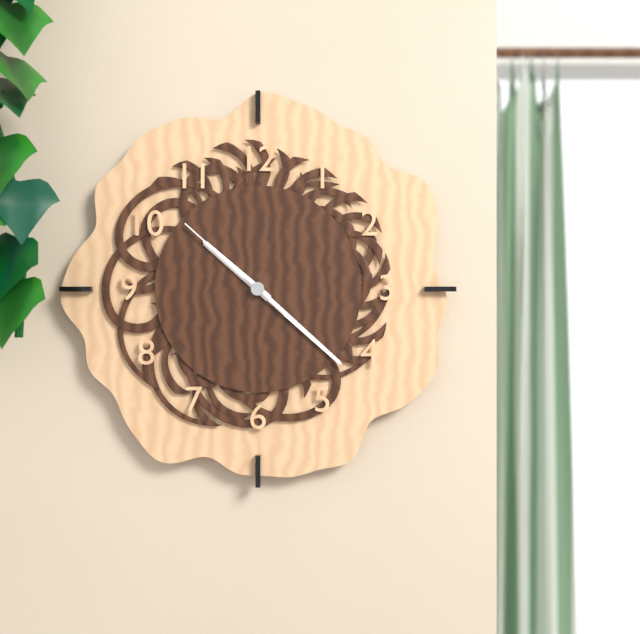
10.22.52
